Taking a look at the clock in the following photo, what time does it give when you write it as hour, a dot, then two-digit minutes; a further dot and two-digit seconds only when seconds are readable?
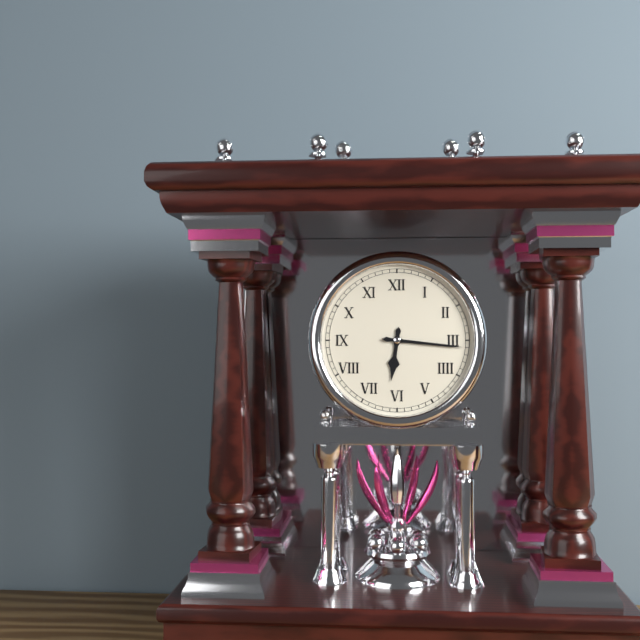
6.16
